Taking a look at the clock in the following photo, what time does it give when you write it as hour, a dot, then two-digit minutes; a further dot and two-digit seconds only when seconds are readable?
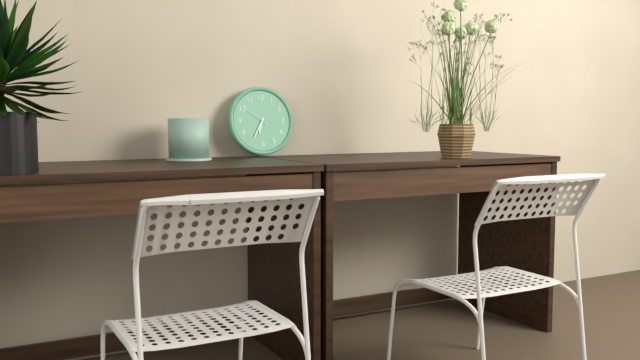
6.35
